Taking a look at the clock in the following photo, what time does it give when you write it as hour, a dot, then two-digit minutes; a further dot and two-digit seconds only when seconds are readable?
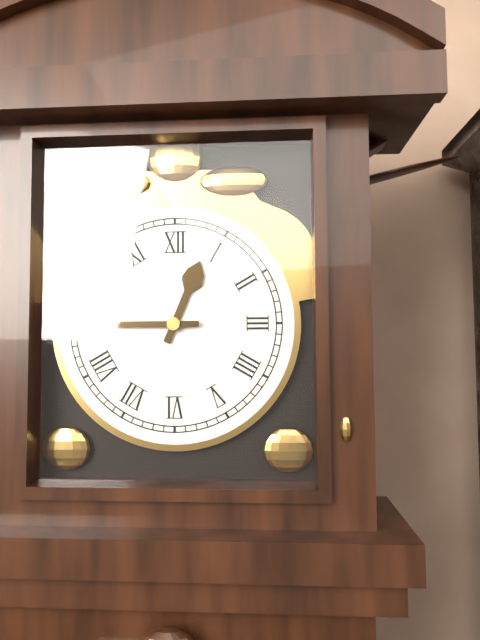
12.45
